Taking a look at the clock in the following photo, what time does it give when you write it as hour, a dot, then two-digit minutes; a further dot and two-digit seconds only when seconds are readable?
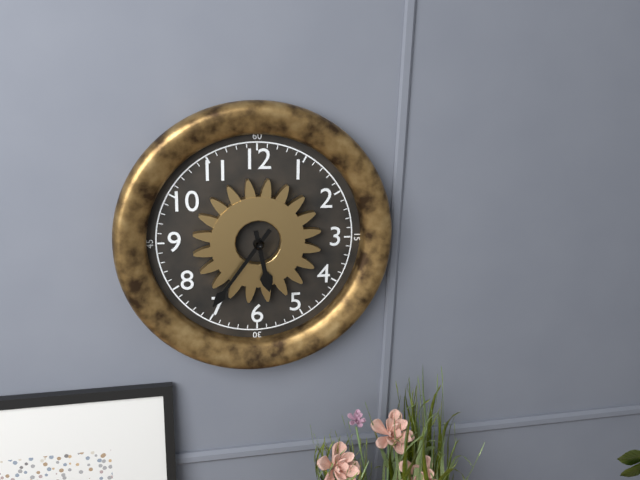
5.36
